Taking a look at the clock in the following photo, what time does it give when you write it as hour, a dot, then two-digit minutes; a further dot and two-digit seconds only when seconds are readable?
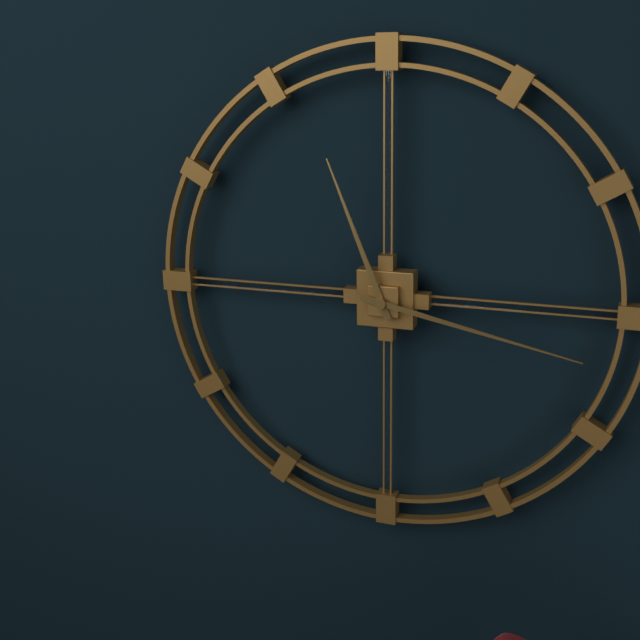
11.17
